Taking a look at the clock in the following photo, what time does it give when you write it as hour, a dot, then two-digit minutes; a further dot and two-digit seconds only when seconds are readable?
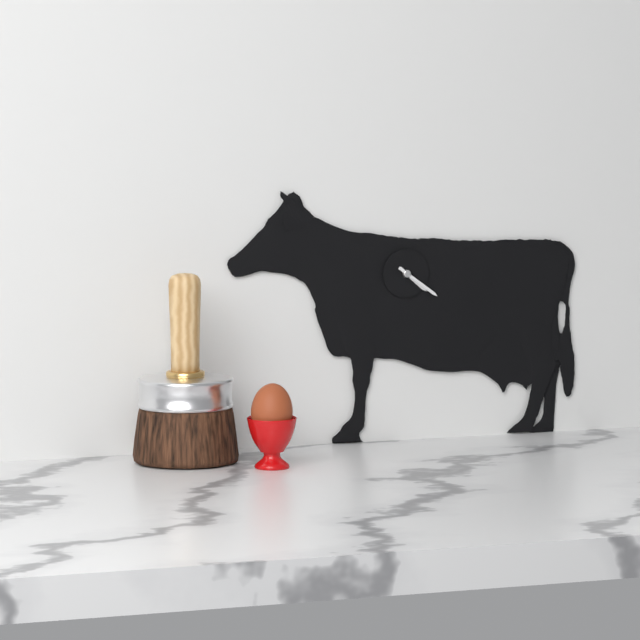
4.21
